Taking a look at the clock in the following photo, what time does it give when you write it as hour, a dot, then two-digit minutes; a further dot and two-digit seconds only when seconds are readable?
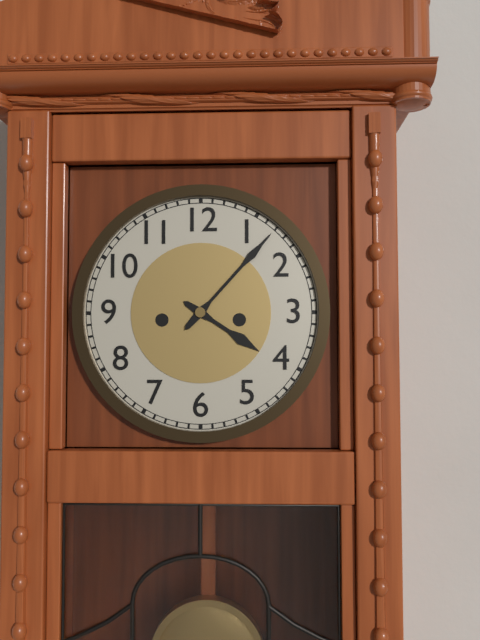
4.07
